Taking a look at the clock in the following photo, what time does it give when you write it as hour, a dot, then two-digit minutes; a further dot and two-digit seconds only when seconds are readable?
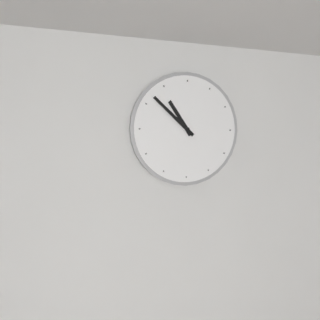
10.52
